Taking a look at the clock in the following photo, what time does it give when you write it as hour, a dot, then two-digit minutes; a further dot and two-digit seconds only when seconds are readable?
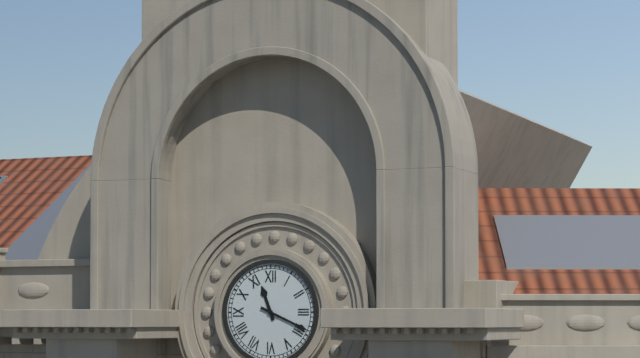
11.19
